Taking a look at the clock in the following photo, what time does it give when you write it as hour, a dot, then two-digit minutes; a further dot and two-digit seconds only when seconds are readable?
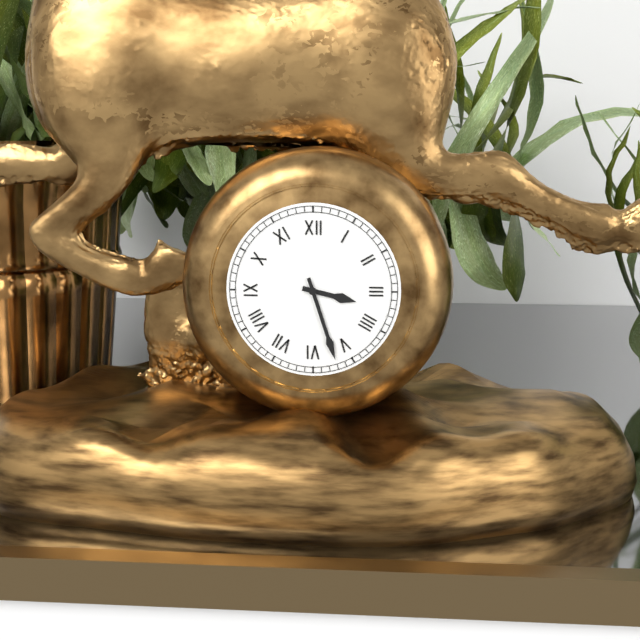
3.27
